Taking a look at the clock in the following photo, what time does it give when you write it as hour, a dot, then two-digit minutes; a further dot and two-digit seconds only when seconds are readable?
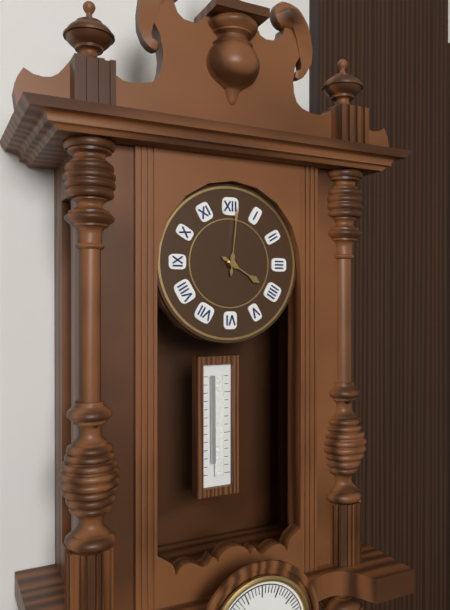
4.01
